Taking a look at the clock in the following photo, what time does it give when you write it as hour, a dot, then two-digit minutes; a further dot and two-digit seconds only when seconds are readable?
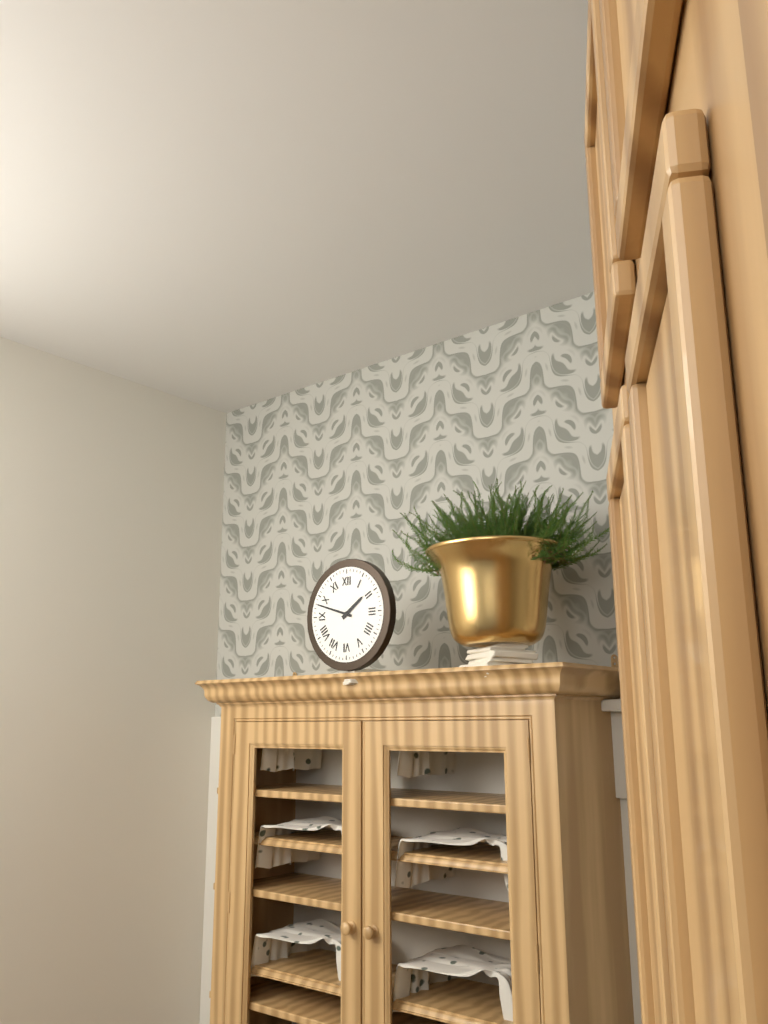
1.48
